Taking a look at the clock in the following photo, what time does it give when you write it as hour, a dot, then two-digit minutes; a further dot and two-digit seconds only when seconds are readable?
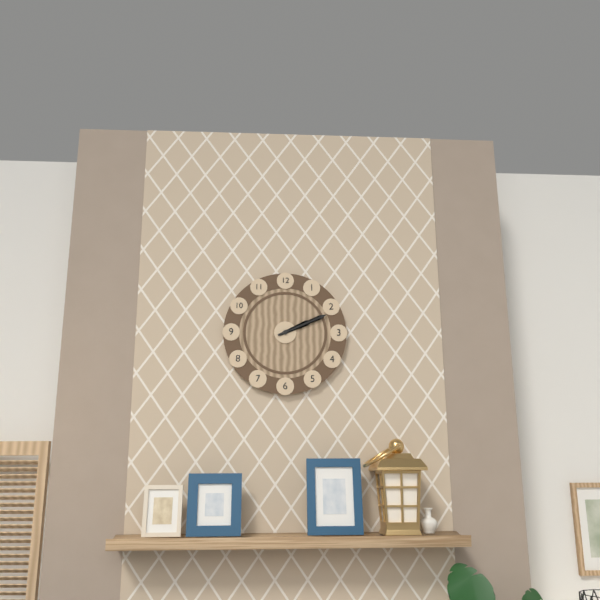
2.11
